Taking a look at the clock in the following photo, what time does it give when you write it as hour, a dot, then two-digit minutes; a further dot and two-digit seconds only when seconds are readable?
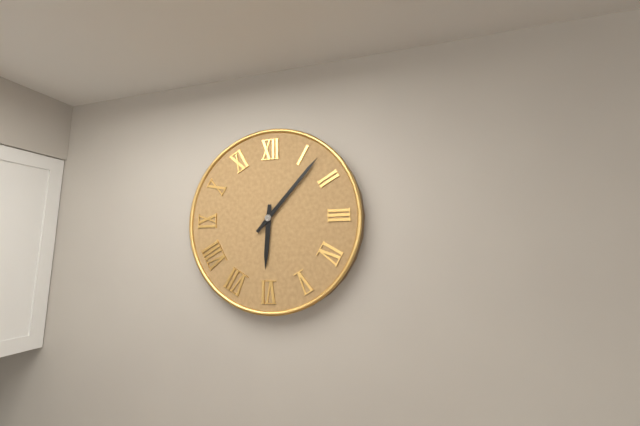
6.07
